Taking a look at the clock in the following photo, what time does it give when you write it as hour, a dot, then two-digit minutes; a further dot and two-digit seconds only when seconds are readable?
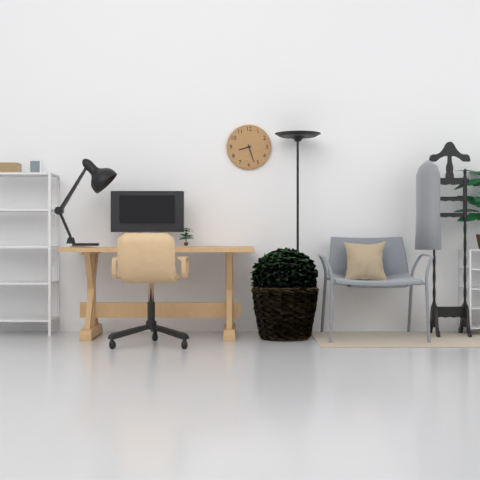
8.27
